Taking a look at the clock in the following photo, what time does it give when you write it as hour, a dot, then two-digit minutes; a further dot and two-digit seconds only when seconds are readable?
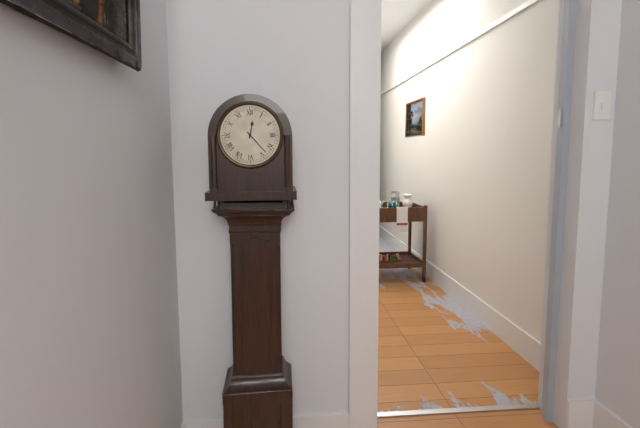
12.23
